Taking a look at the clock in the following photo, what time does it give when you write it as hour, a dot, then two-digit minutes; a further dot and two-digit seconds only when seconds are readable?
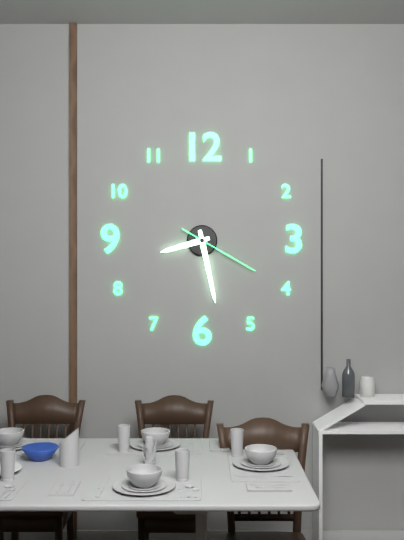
8.28.20
